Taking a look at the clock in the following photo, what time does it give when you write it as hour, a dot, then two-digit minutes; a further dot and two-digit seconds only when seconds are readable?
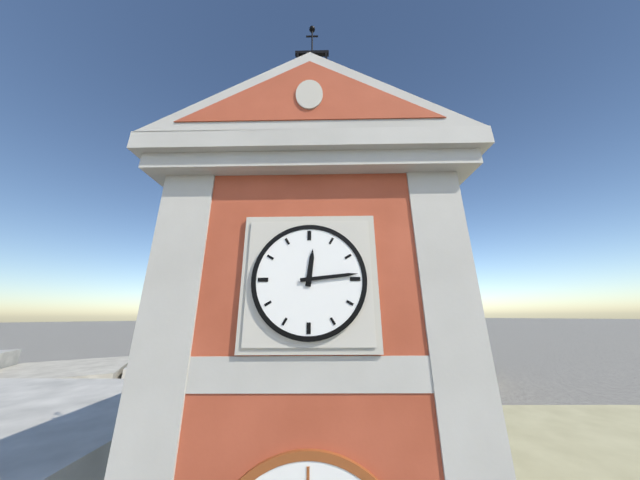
12.14
